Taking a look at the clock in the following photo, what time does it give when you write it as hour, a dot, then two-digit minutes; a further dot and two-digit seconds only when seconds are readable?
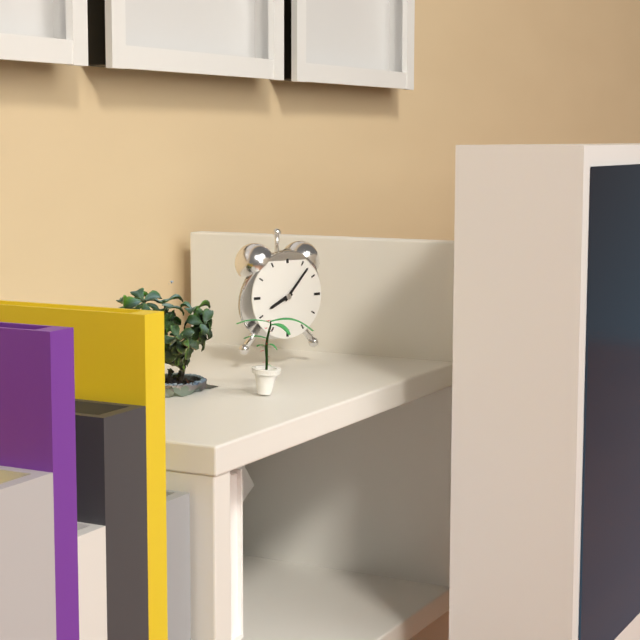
8.07
